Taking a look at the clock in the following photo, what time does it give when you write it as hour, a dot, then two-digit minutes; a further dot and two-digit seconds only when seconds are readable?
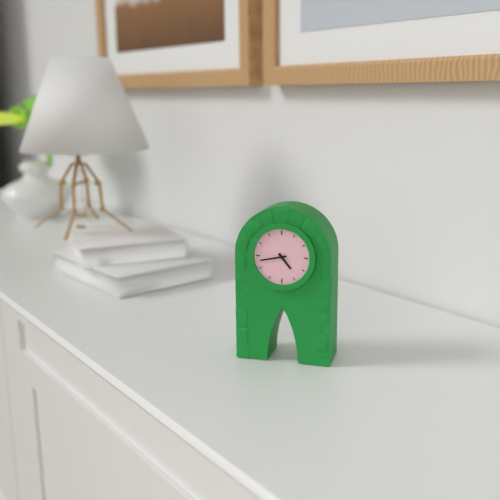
4.43
